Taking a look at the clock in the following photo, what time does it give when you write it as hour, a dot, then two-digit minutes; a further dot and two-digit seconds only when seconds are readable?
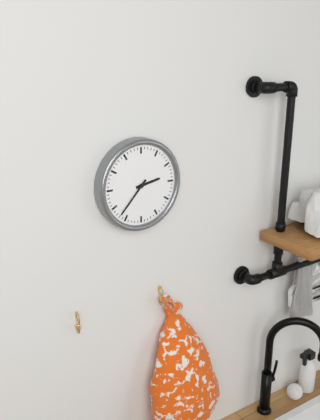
2.37
